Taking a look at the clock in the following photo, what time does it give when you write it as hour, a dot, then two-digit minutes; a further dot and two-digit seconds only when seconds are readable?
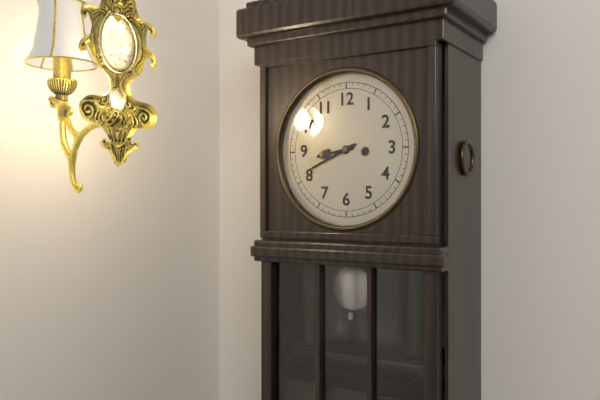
8.41
